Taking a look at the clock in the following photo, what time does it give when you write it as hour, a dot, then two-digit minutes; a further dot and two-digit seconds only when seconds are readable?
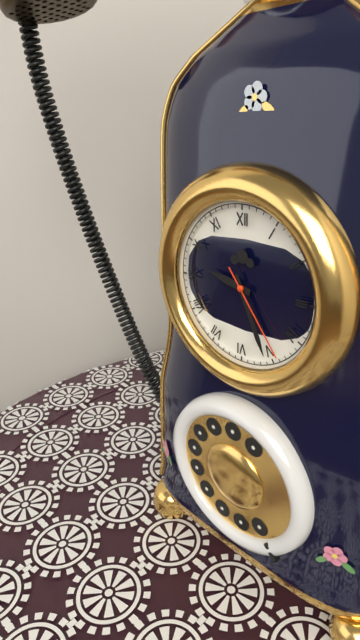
9.26.24
